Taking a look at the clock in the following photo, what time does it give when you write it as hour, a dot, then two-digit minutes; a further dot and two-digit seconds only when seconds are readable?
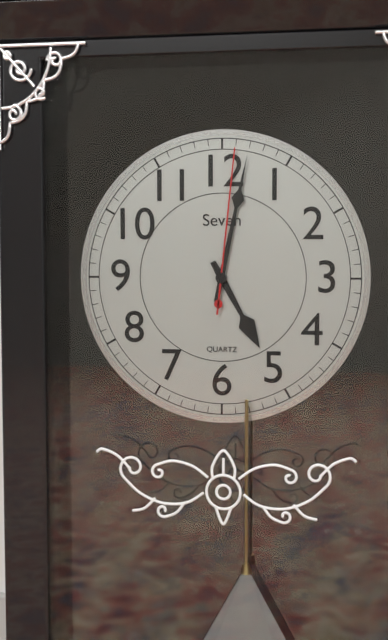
5.02.01
